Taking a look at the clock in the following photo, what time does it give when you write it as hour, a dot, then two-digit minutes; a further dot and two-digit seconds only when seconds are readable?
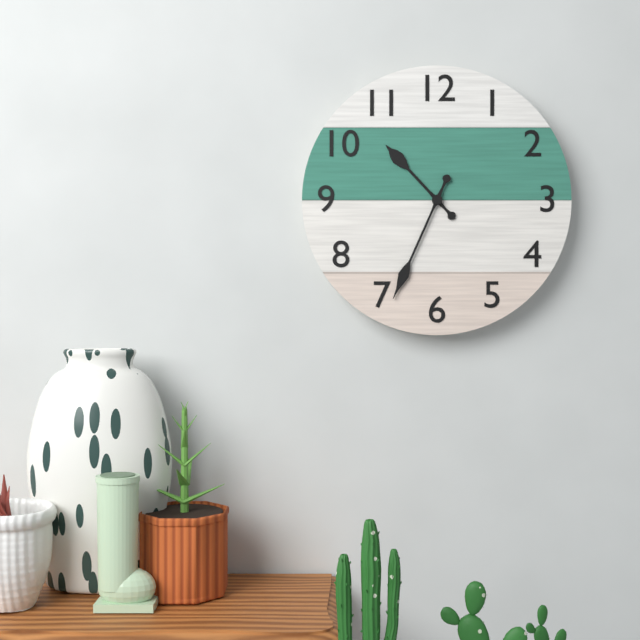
10.34
